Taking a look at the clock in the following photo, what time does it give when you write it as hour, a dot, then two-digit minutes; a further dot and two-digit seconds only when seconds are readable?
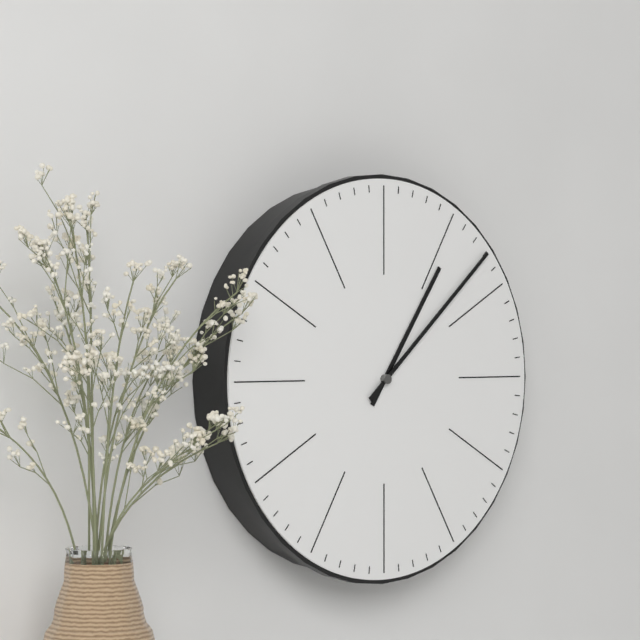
1.08
